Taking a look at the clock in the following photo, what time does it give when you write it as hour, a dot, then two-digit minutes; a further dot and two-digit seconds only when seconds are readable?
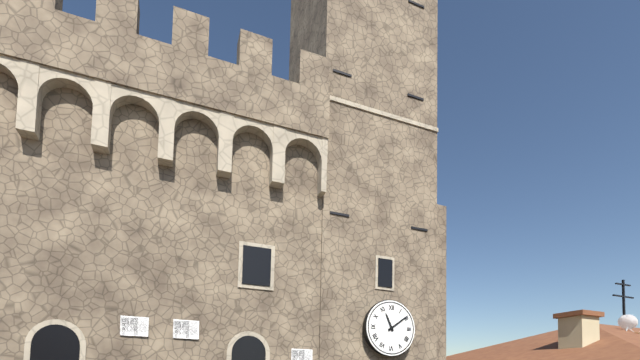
11.09
